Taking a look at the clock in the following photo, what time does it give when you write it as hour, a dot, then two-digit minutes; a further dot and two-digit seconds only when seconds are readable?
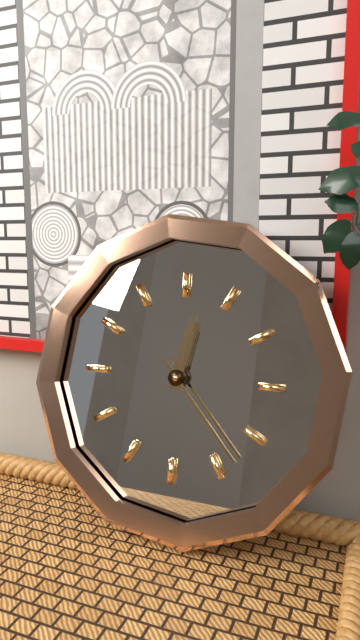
12.23
